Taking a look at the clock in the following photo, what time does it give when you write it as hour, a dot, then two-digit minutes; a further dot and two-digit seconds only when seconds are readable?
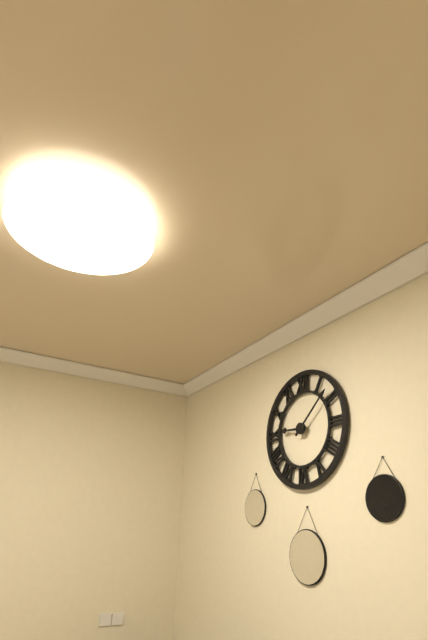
9.08
